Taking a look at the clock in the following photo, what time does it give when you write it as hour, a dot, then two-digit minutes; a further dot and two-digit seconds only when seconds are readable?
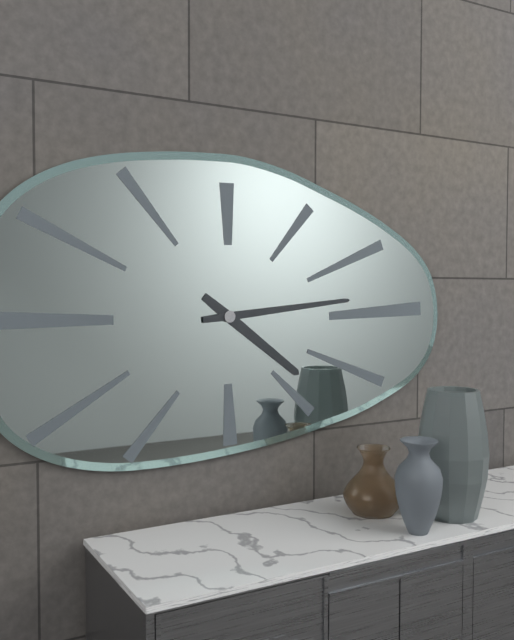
4.14
